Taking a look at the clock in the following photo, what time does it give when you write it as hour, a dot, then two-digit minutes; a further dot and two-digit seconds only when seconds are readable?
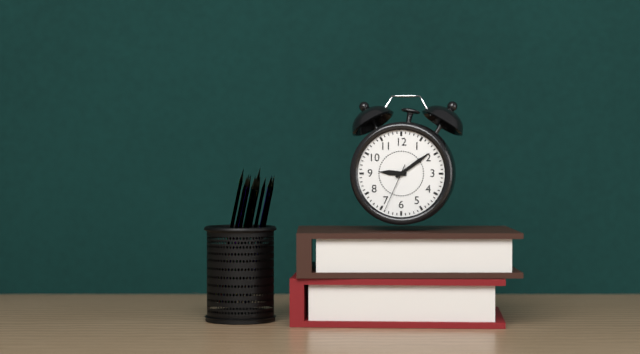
9.09.34
